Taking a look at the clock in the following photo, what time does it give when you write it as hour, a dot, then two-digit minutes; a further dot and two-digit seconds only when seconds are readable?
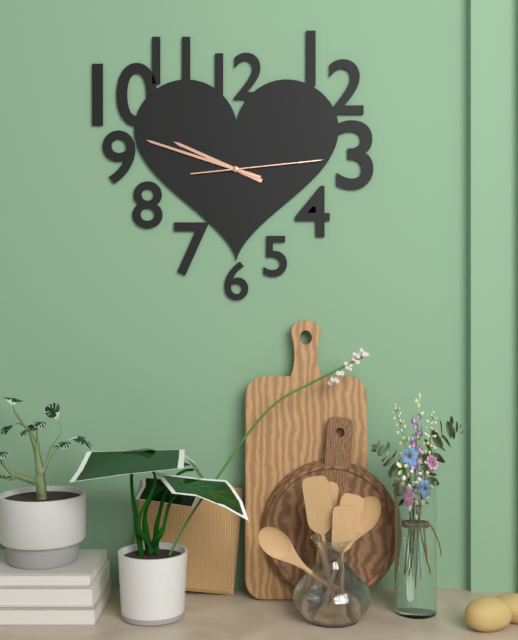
9.48.14
